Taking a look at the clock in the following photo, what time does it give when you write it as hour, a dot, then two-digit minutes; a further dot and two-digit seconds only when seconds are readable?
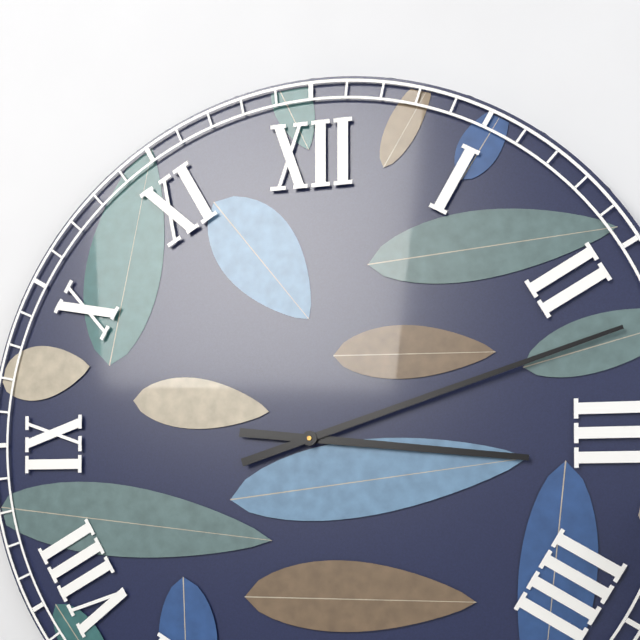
3.12
